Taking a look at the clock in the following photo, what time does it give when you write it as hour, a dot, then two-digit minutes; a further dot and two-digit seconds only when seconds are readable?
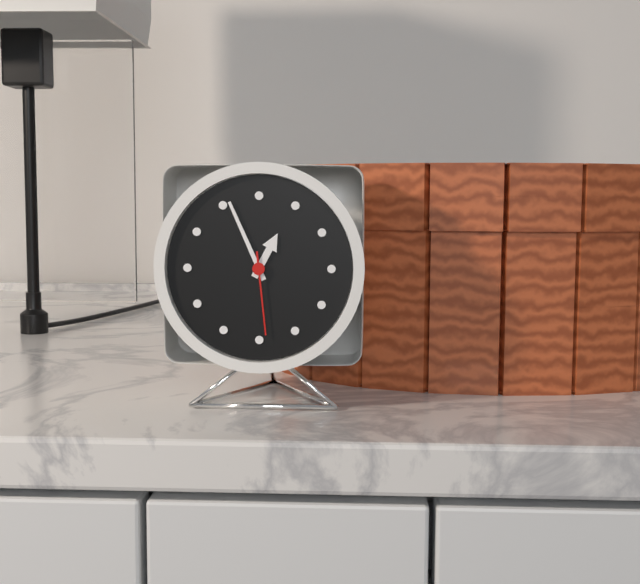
12.56.29
